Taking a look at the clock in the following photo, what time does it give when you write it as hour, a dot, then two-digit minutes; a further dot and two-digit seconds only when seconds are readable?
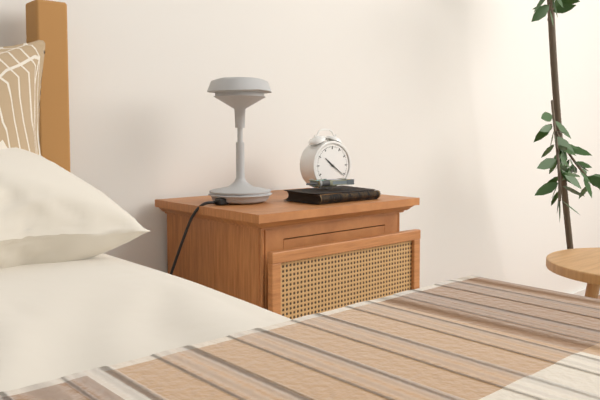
10.21
